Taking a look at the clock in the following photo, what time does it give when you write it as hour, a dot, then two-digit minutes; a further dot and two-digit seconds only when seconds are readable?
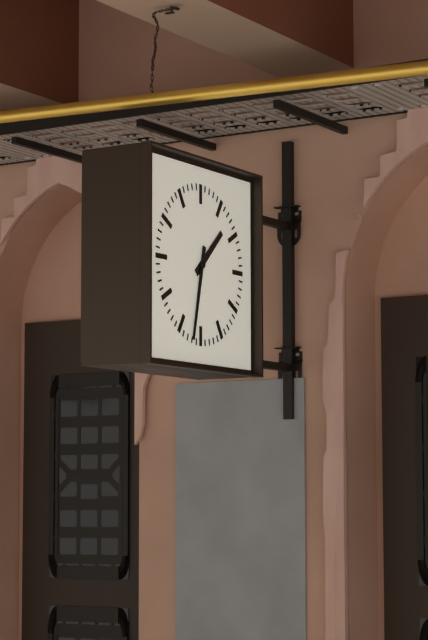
1.32
